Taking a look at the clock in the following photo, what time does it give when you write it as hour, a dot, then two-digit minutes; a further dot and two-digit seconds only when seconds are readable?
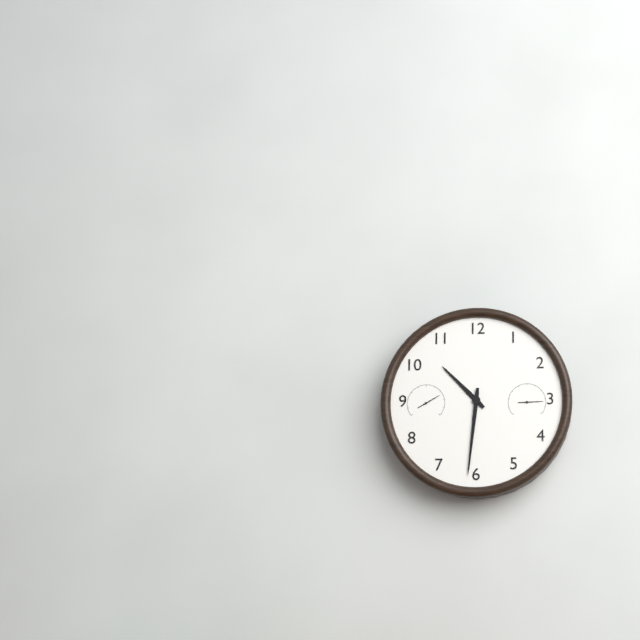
10.31
